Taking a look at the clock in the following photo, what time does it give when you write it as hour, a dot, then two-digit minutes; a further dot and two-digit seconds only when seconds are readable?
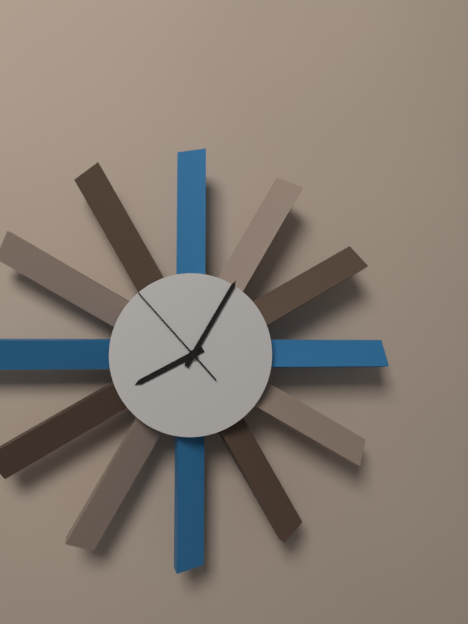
8.05.53
